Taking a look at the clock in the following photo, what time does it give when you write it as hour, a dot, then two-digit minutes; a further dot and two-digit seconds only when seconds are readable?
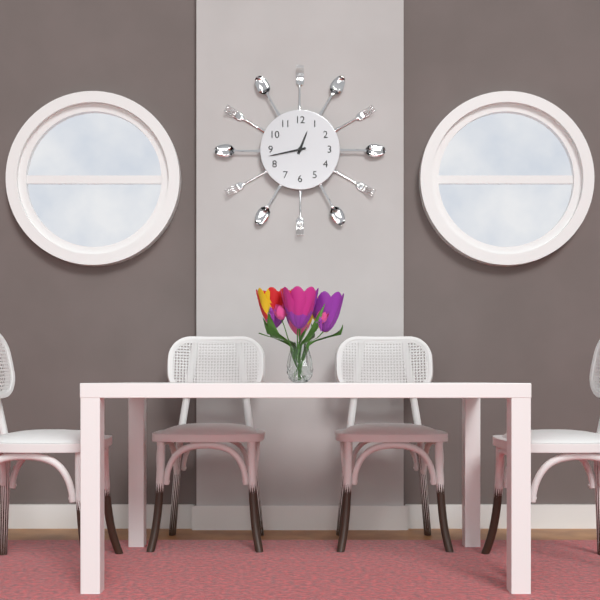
12.43
